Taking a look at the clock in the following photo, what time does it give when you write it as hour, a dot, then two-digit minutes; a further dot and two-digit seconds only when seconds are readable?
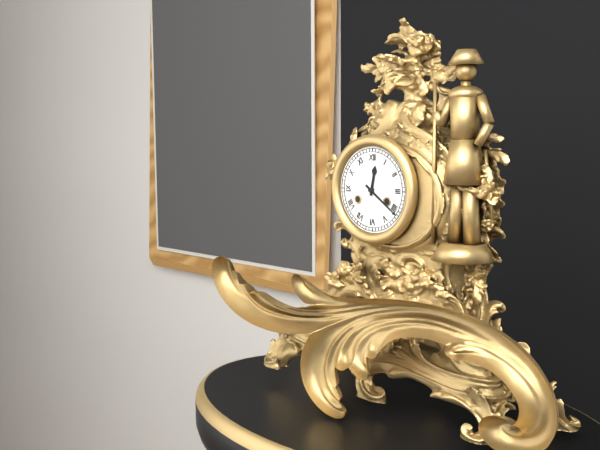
12.21
